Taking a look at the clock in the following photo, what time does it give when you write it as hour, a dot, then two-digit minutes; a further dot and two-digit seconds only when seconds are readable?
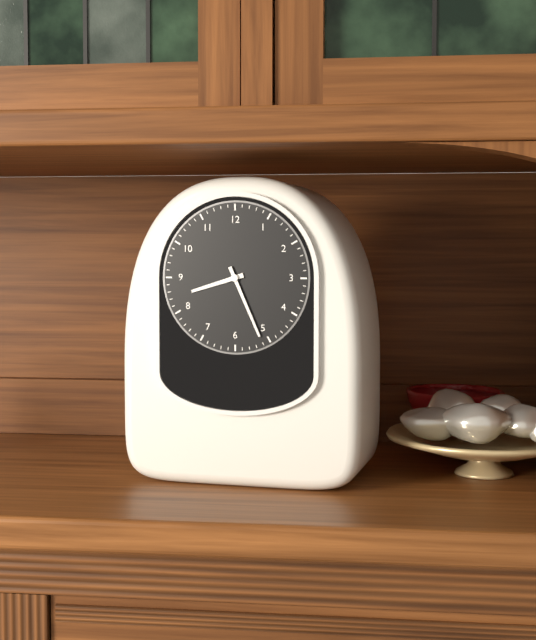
8.26
